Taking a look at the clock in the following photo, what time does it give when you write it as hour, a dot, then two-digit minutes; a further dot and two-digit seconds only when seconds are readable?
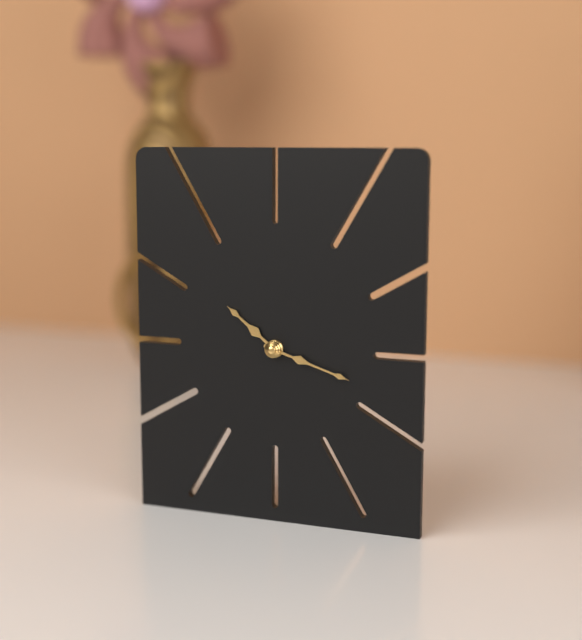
10.18
